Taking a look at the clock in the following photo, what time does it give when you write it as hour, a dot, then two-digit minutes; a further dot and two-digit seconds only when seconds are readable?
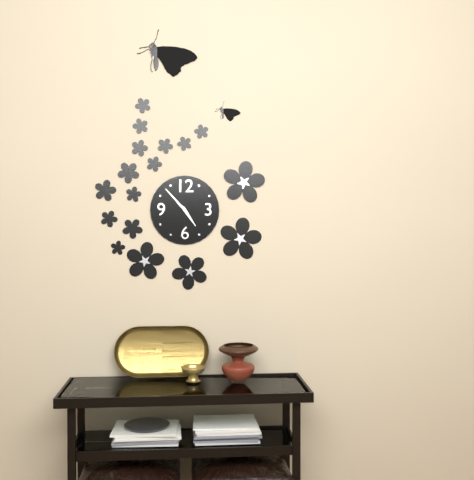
4.53
